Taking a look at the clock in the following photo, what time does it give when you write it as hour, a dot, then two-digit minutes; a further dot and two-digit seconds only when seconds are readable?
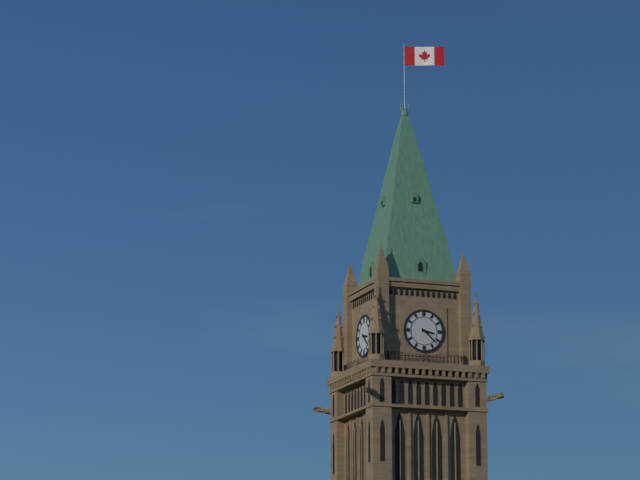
3.22
